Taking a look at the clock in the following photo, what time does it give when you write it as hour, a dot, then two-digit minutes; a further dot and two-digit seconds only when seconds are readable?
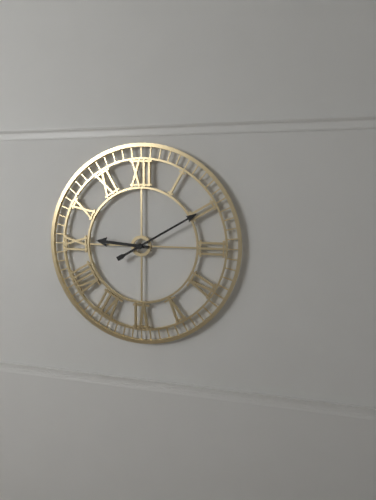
9.10
